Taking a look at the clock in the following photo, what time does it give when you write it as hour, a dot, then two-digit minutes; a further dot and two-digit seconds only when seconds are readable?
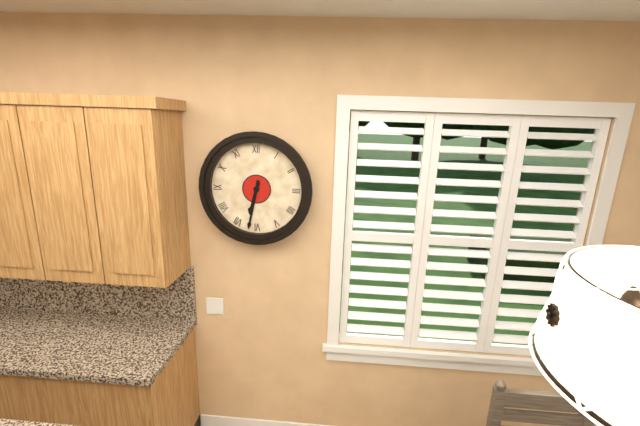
6.32
